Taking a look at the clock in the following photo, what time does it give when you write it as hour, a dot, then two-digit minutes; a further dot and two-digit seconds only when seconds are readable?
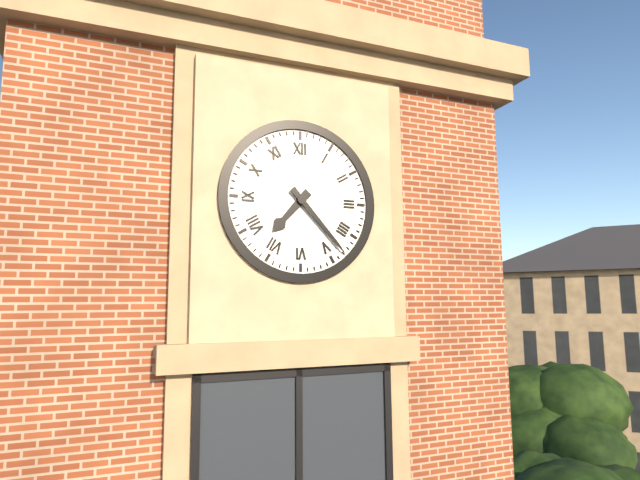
7.23
